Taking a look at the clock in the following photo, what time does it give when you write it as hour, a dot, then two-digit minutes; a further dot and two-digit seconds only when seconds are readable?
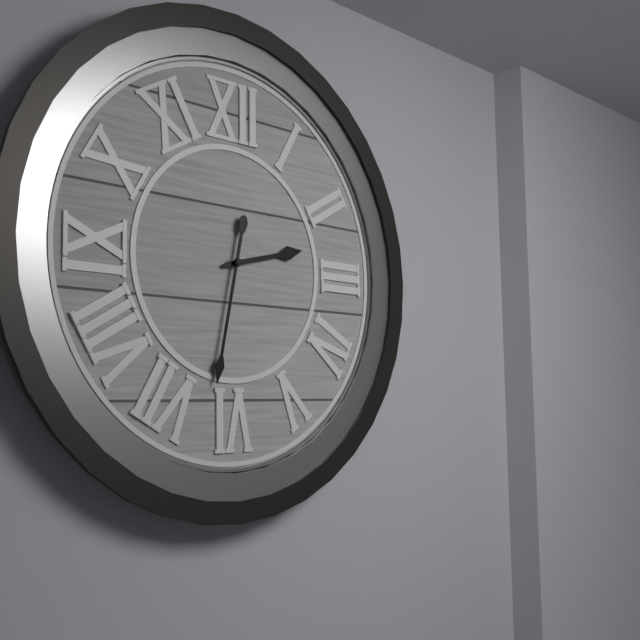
2.32
